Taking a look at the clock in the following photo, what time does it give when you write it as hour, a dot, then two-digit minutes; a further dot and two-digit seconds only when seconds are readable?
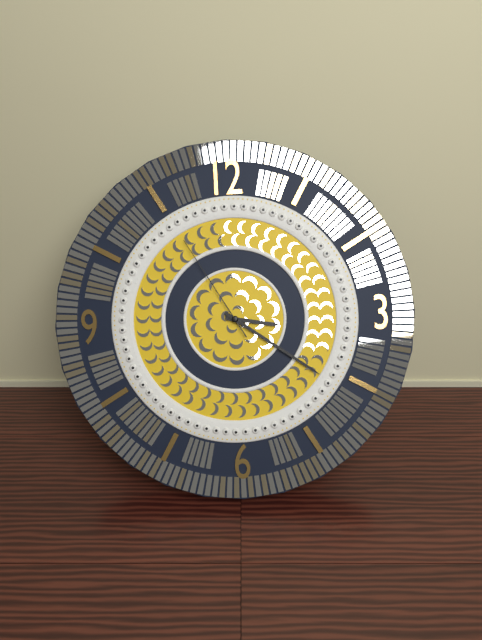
3.21.55
